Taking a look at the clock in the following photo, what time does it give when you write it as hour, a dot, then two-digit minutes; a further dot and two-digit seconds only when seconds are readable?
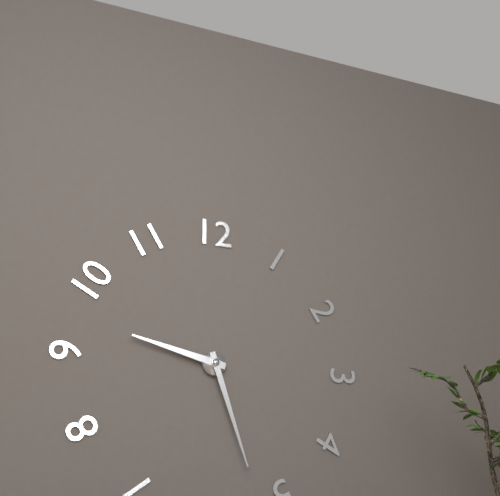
9.27
